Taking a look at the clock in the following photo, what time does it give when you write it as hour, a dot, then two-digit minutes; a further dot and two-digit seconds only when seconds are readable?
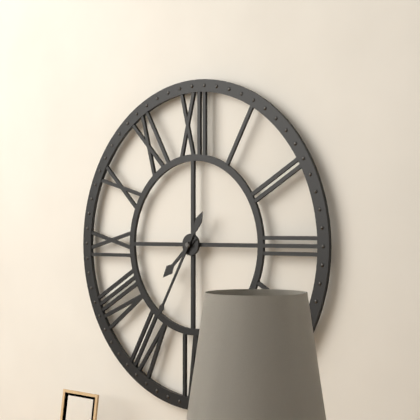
7.35
